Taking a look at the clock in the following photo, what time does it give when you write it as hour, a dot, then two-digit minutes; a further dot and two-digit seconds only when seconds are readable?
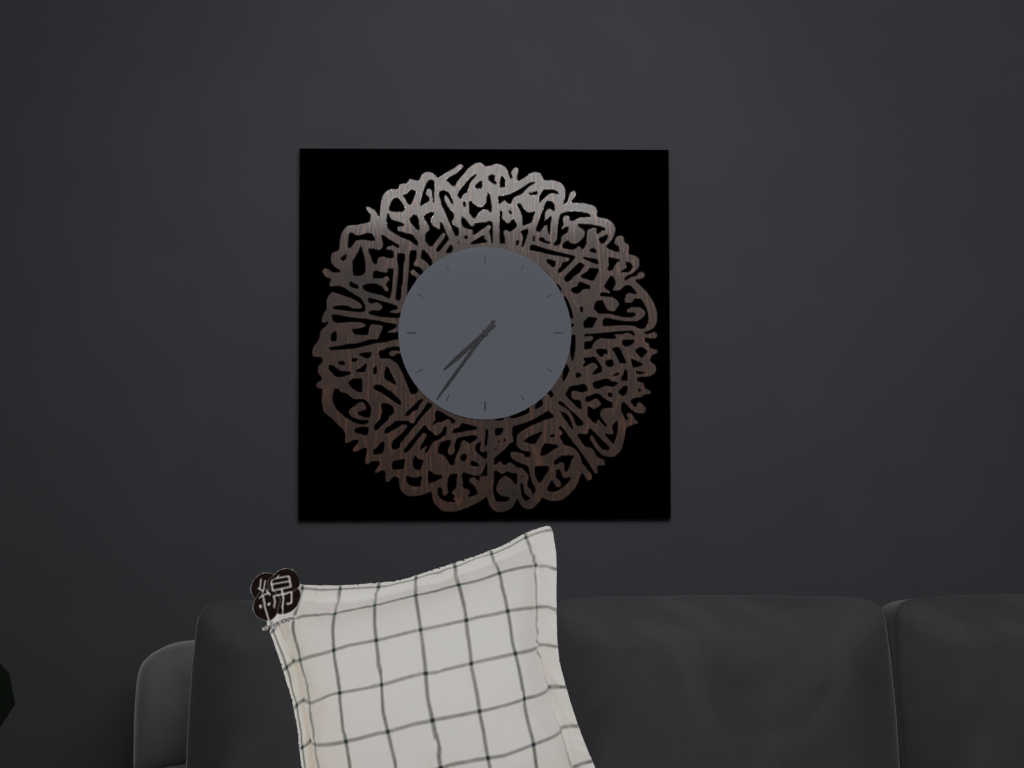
7.36
